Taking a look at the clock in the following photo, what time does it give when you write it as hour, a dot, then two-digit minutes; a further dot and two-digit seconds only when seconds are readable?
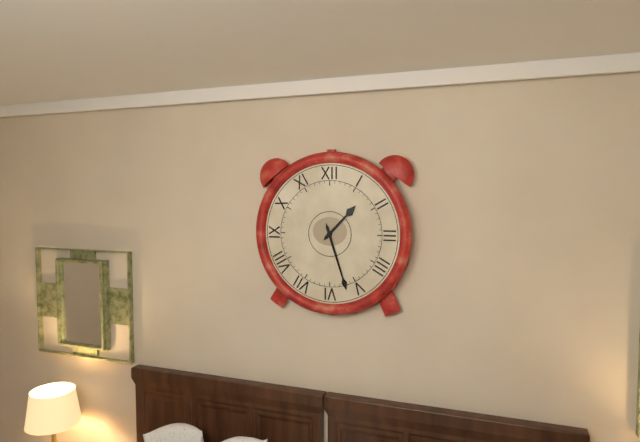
1.27
